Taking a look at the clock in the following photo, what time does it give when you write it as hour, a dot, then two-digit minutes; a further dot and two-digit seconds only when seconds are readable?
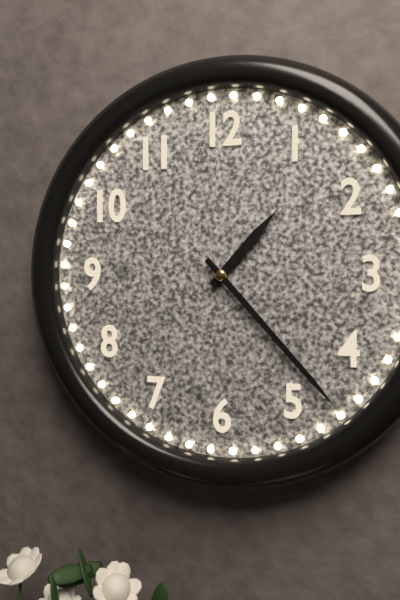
1.23
